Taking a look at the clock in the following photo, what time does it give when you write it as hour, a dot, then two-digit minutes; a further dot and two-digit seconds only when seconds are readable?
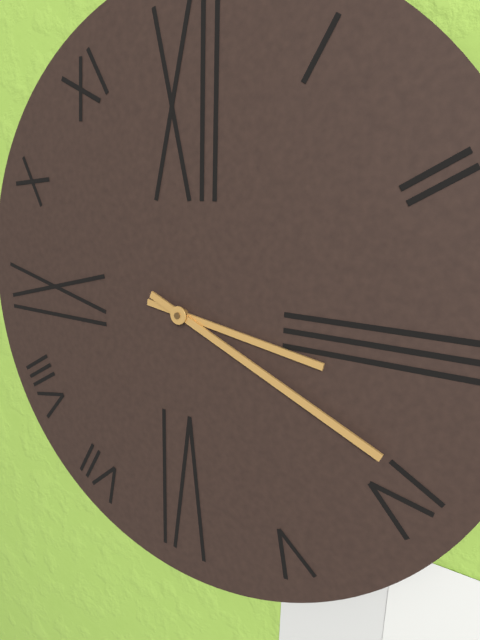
3.19
